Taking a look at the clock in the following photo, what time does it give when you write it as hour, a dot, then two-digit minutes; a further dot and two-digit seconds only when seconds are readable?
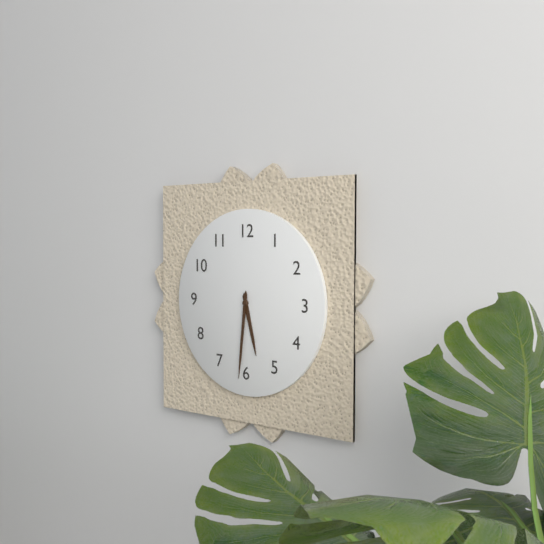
5.31
